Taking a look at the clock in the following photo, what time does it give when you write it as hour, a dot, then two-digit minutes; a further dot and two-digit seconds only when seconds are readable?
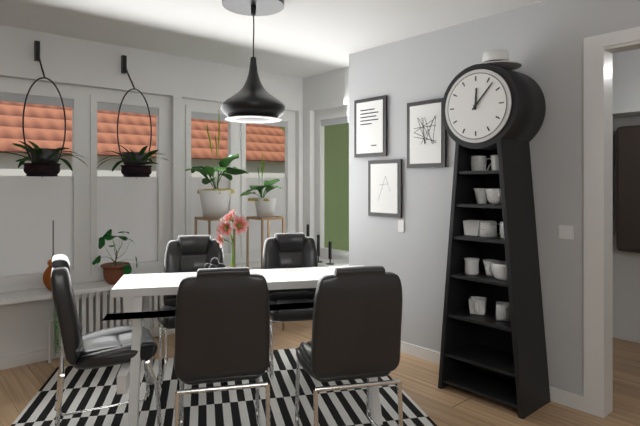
12.07
